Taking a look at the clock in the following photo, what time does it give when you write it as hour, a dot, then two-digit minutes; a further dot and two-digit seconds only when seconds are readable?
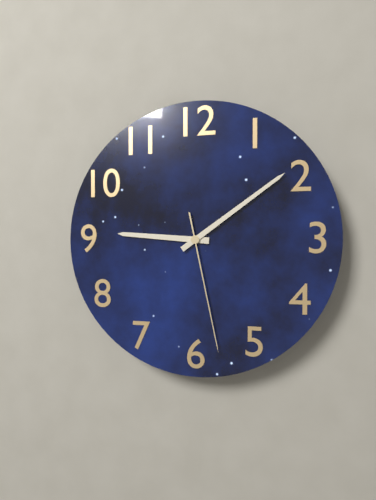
9.09.28
